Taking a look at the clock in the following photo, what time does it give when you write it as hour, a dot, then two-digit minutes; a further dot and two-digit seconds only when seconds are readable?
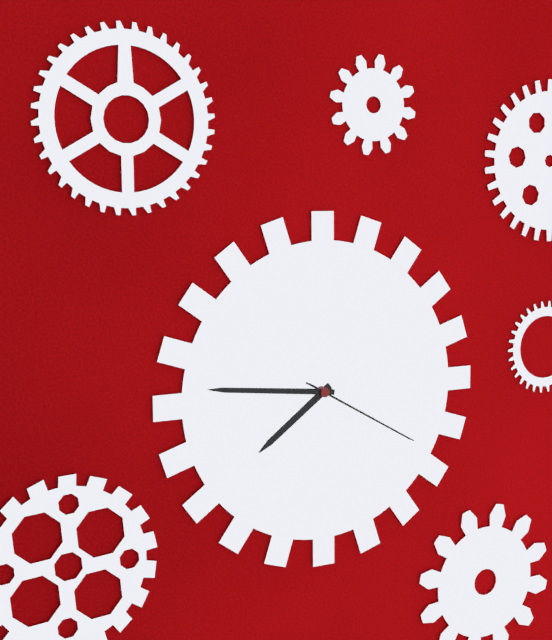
7.46.20
